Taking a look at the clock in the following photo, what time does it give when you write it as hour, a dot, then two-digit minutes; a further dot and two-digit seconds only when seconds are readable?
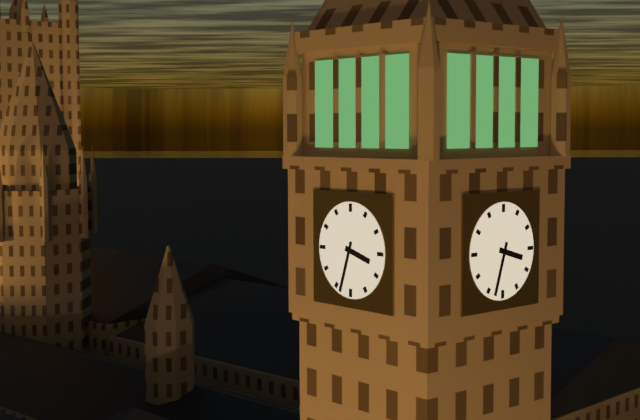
3.33
